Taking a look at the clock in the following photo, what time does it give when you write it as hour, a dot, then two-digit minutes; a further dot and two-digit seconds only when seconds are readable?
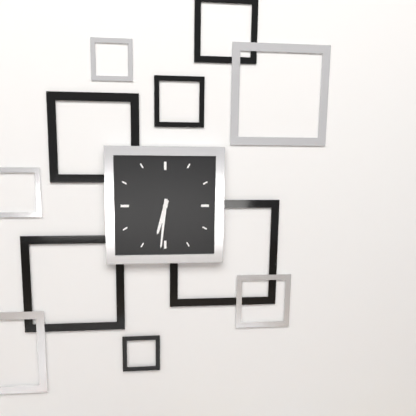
6.31
